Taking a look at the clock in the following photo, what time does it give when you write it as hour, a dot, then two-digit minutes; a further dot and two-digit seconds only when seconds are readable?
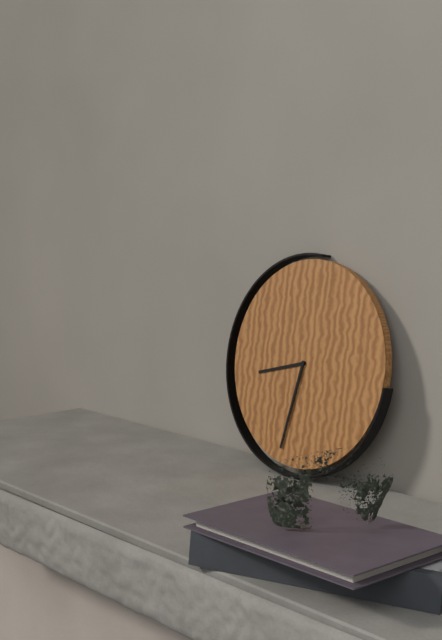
8.32
